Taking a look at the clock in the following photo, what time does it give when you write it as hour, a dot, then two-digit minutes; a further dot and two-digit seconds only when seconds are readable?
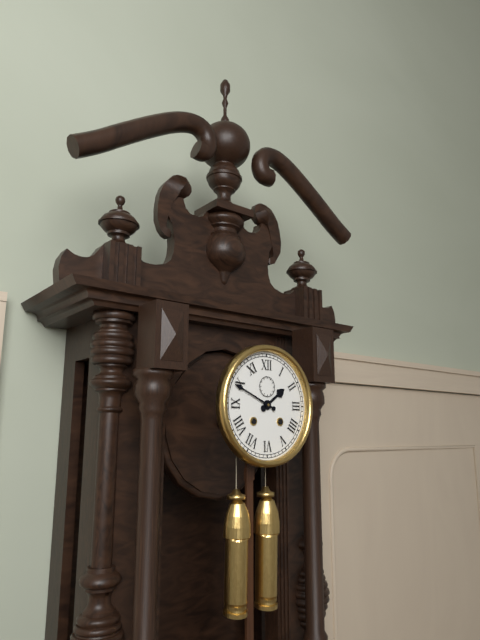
1.49
